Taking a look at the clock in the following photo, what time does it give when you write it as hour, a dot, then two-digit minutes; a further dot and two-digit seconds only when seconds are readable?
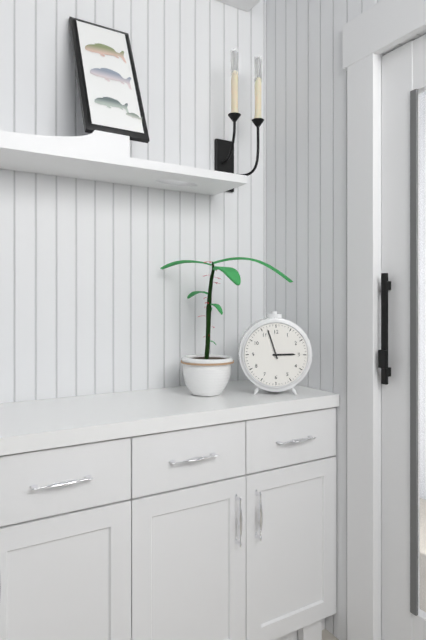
2.57
